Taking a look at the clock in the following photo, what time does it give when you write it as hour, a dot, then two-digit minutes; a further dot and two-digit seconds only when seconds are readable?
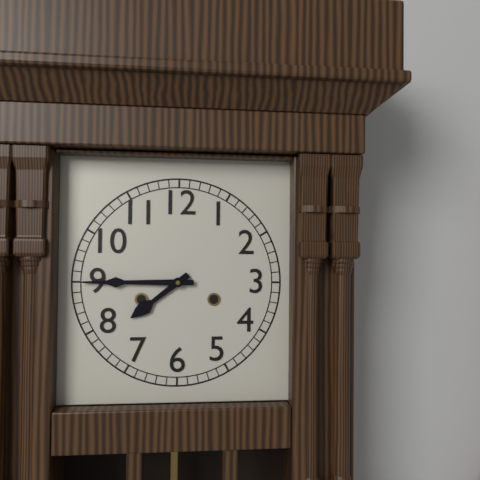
7.45
